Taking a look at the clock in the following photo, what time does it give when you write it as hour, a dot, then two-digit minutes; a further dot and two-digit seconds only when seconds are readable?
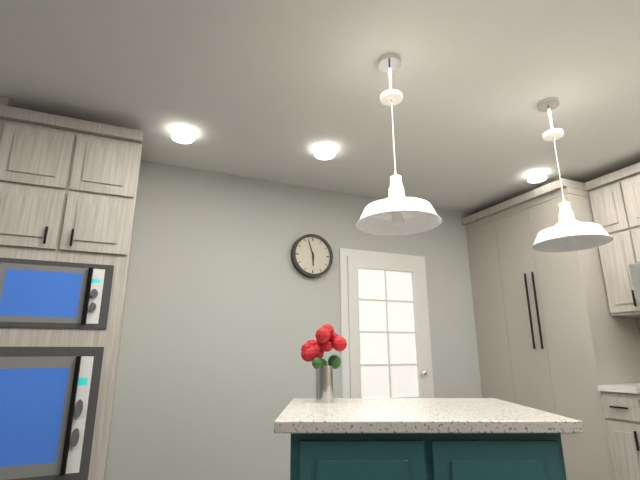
5.57
